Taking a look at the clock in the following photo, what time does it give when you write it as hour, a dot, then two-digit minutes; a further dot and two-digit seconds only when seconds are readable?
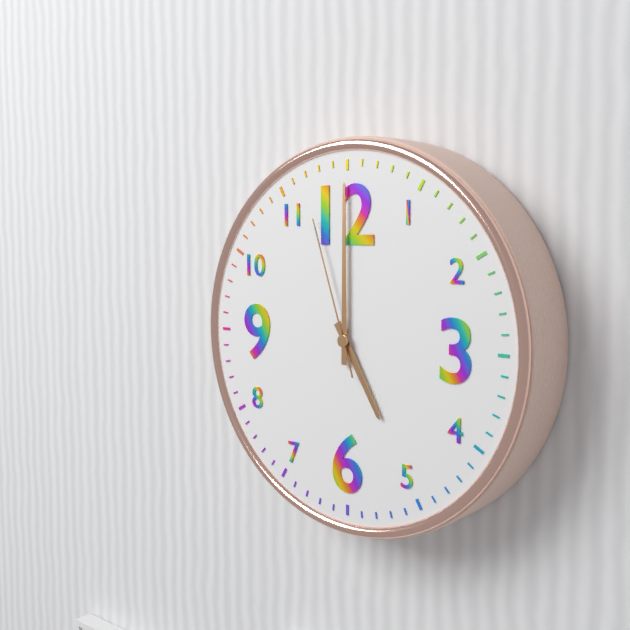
5.00.57
